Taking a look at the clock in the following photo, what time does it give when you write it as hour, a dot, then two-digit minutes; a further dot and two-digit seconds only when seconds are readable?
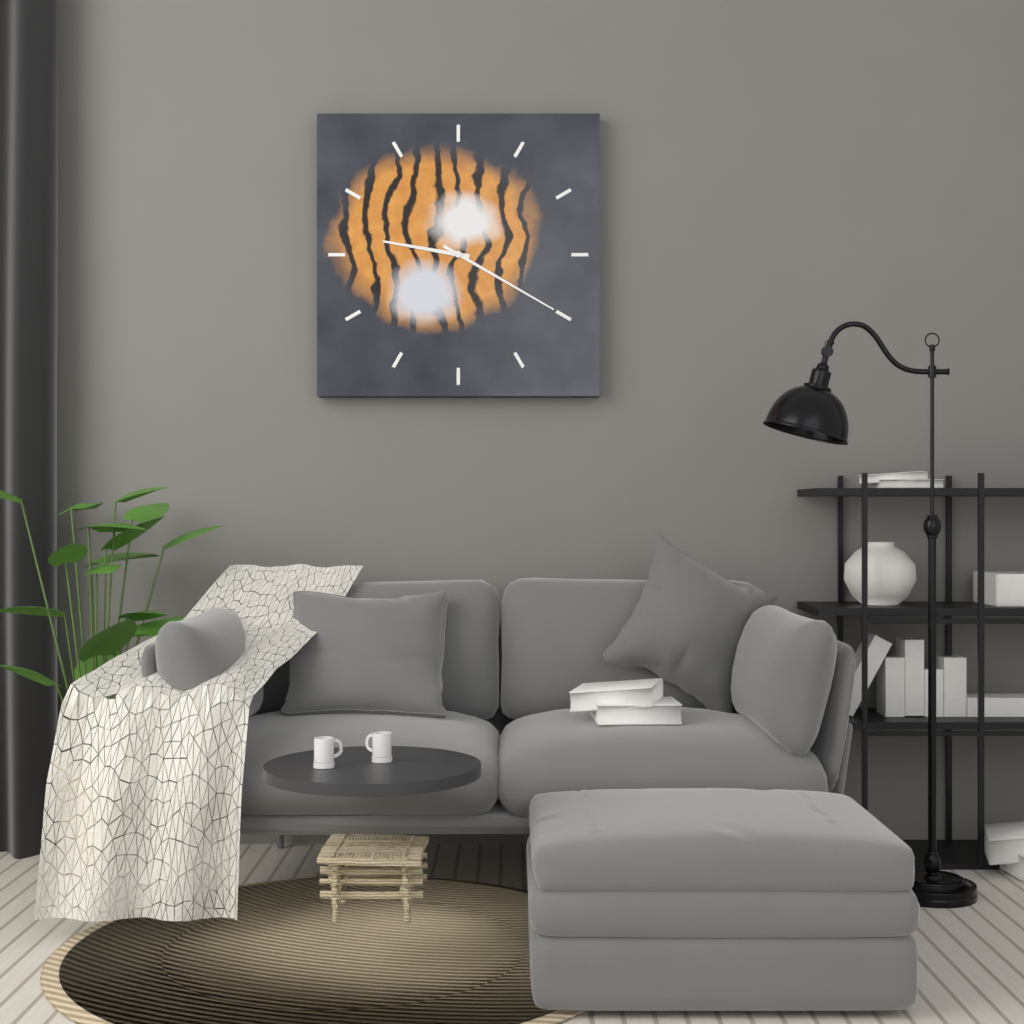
9.20
